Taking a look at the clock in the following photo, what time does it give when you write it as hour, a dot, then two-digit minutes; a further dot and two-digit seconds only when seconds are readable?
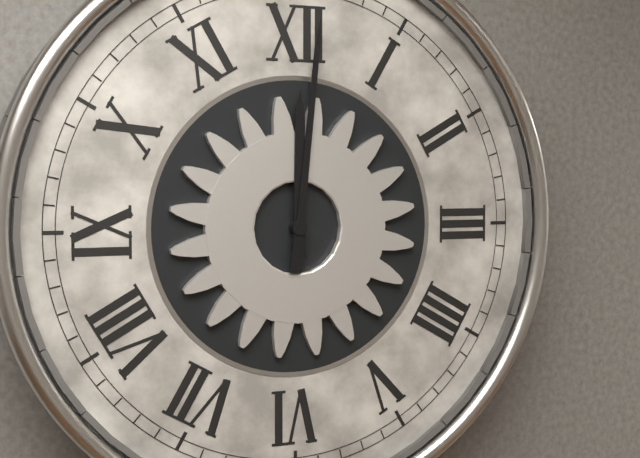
12.01
